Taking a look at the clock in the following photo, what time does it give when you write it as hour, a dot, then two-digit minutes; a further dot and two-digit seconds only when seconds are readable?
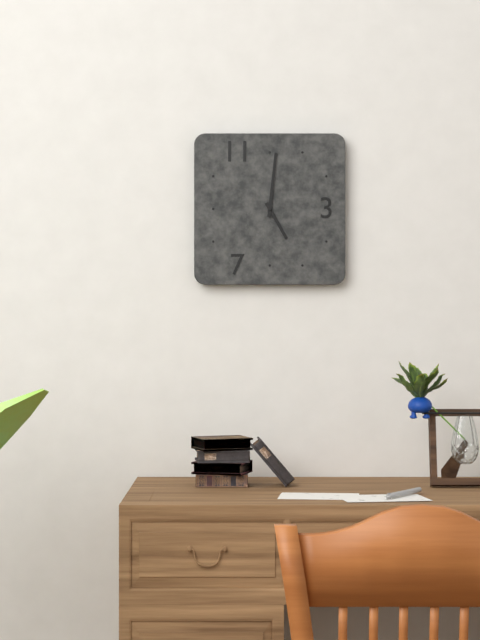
5.01
